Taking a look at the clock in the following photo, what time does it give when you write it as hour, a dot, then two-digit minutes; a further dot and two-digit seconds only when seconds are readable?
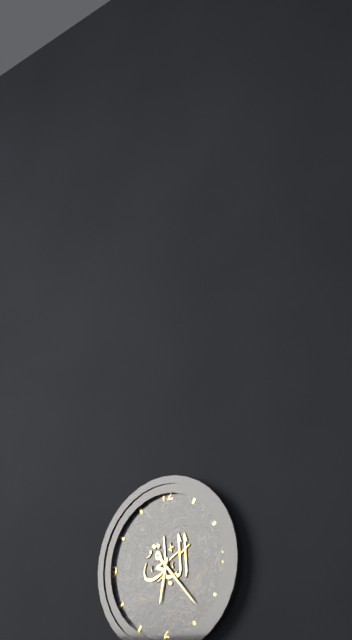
6.23
